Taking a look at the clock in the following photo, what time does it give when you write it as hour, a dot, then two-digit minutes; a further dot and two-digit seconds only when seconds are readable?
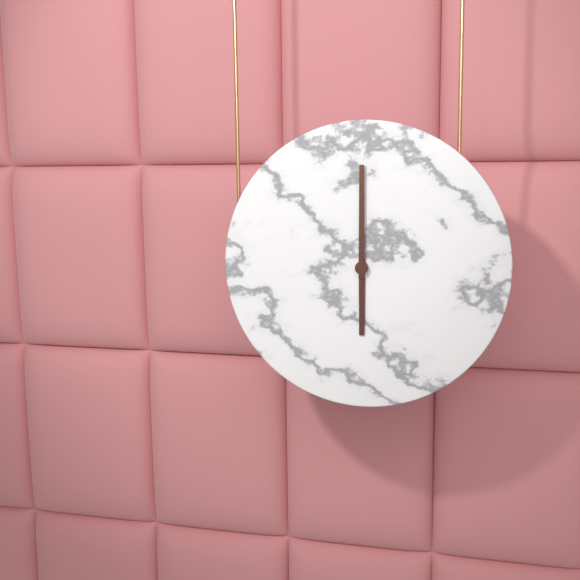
6.00
